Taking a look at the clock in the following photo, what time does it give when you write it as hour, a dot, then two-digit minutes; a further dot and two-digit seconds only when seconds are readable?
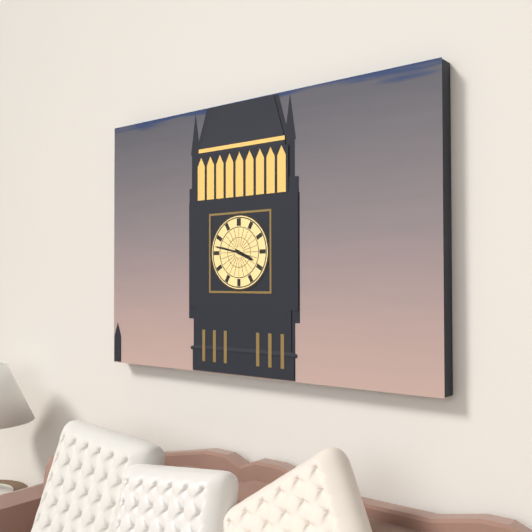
3.47
